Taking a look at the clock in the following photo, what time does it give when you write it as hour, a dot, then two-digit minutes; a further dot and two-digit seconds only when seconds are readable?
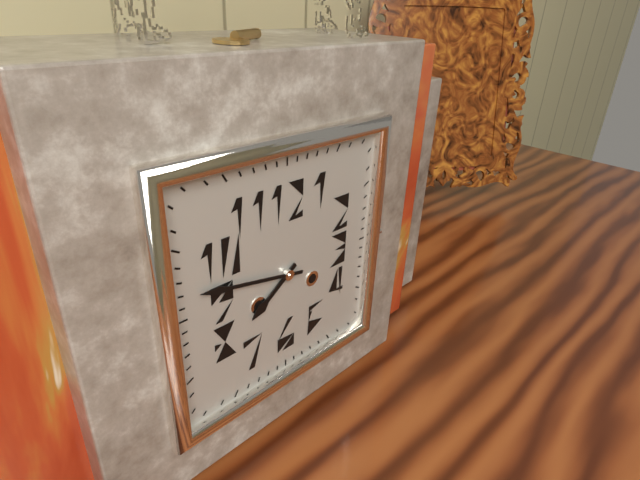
7.47
